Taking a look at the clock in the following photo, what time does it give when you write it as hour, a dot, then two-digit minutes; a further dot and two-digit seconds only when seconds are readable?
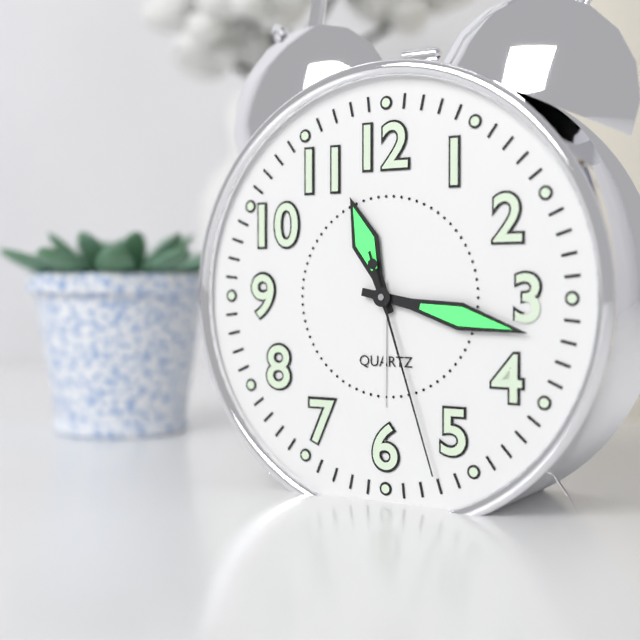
11.17.27
